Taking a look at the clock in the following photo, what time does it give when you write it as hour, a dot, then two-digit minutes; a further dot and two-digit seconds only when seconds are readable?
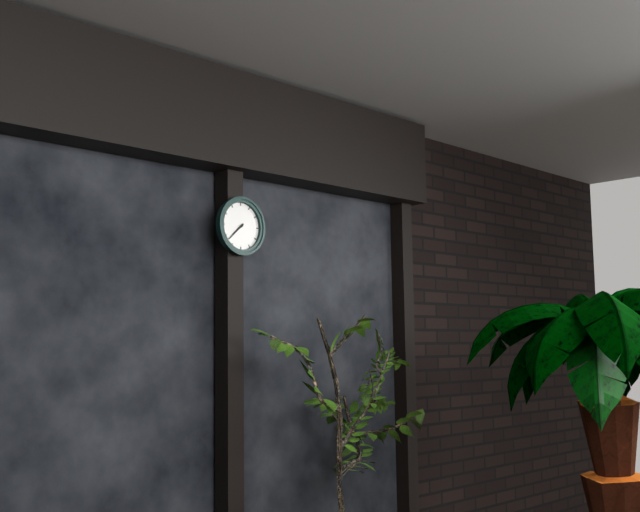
7.38
